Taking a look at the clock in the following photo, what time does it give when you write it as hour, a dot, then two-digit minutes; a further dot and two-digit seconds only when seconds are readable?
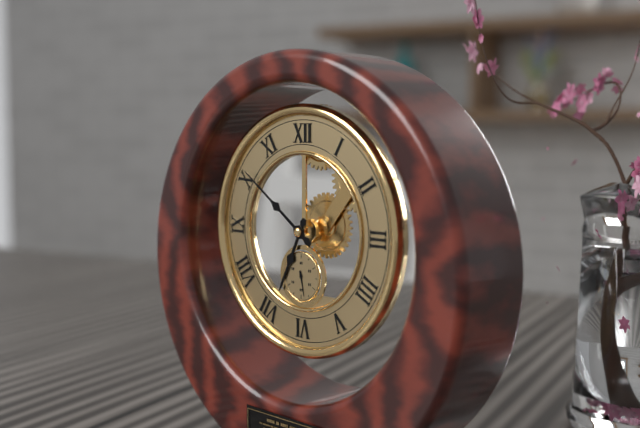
6.51
